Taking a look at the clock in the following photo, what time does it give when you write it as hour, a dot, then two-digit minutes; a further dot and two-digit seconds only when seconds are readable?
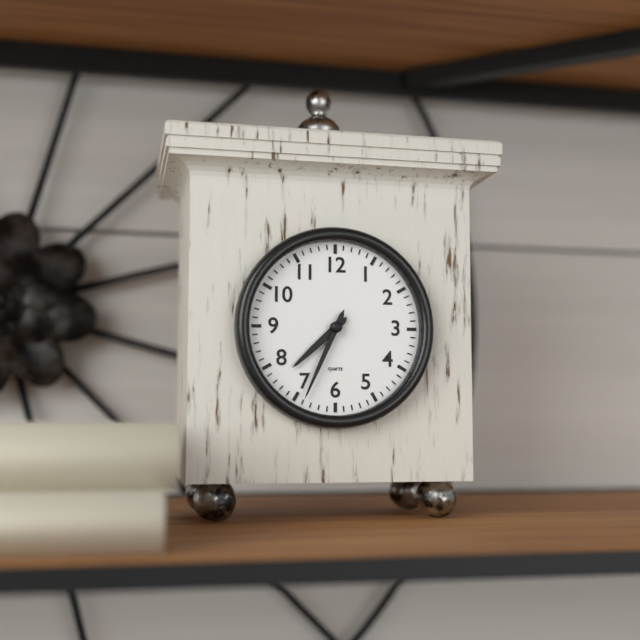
7.34
